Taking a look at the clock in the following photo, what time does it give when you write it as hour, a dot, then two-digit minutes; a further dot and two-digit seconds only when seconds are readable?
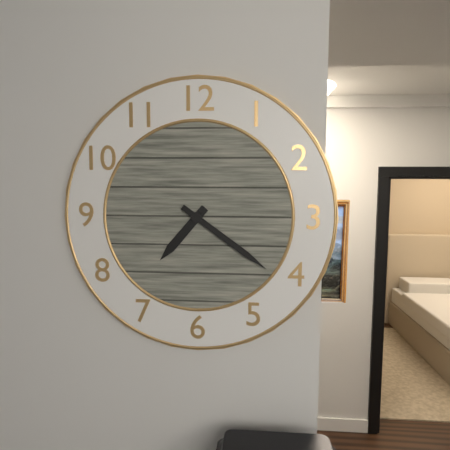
7.21
